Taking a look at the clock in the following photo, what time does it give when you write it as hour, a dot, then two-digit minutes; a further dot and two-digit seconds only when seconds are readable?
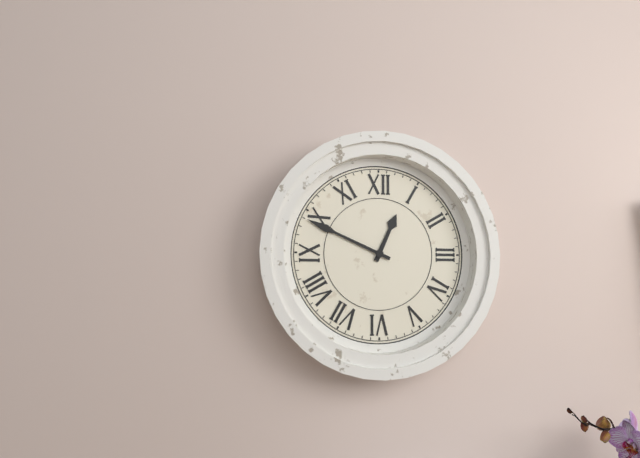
12.49
